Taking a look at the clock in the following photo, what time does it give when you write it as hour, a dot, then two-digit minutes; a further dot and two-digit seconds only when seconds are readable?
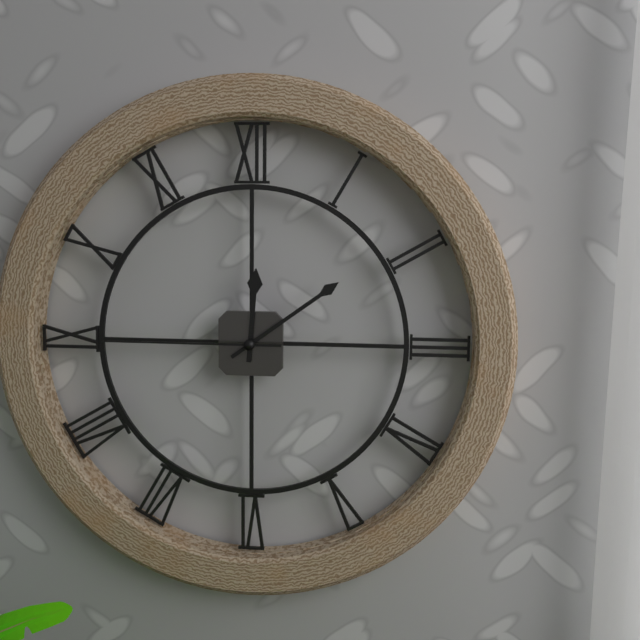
12.09.45
